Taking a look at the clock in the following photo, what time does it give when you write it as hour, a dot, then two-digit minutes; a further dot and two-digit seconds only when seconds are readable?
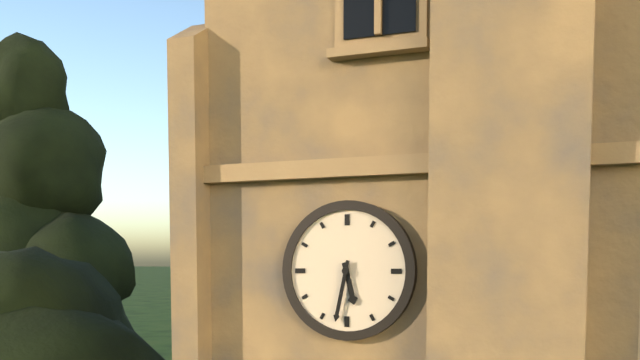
5.32
